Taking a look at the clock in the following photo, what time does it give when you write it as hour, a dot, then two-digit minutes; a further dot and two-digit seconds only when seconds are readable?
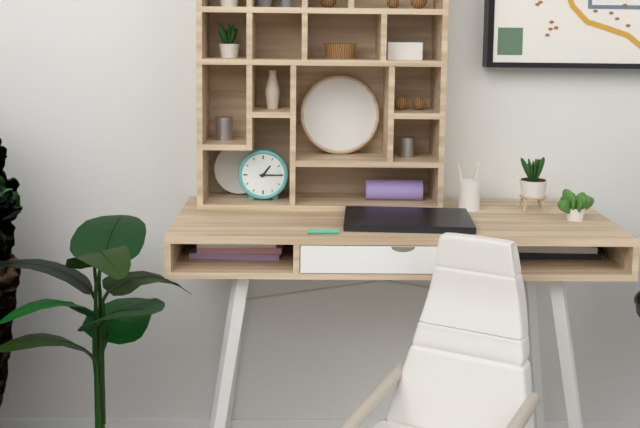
1.15
